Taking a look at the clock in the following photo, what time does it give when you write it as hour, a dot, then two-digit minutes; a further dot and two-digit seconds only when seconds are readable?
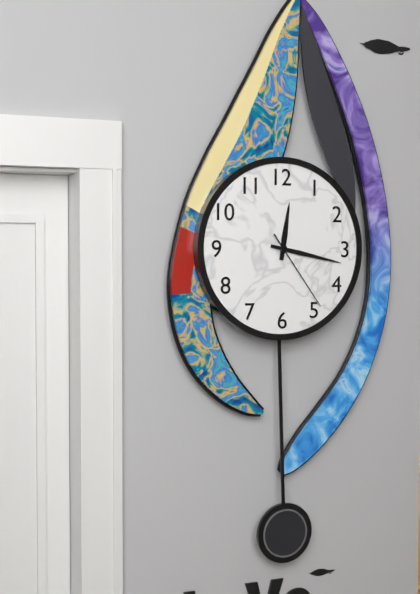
12.17.24
